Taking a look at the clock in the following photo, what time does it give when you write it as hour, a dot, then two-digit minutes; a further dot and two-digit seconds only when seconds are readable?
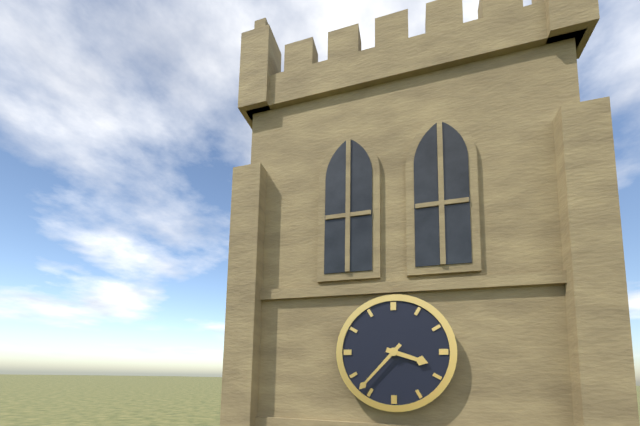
3.37
